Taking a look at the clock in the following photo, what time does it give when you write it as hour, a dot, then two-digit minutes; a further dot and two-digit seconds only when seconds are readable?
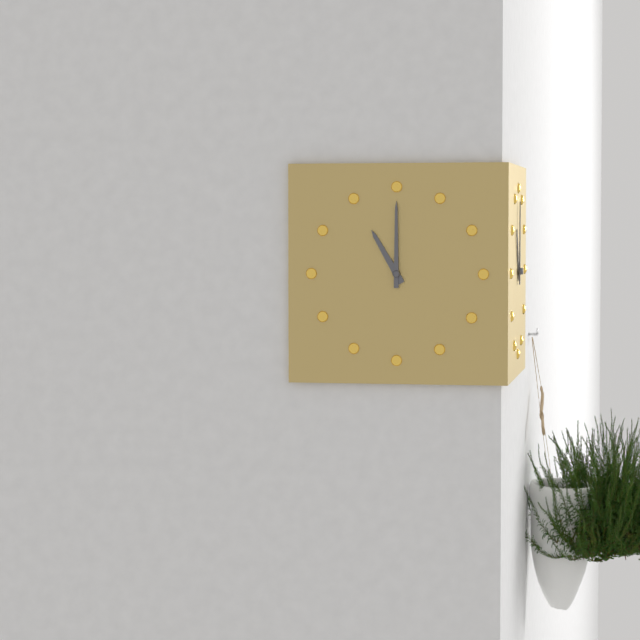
11.00
